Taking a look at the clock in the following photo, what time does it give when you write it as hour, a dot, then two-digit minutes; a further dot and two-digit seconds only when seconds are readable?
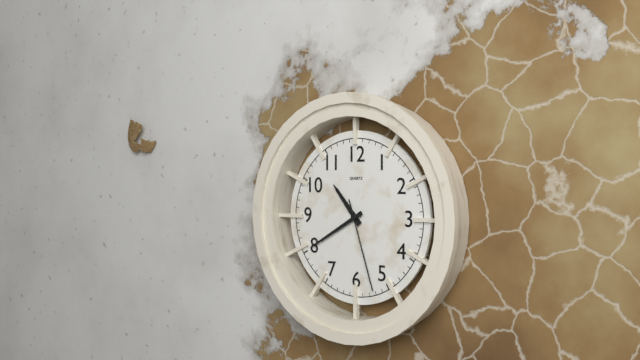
10.40.27
